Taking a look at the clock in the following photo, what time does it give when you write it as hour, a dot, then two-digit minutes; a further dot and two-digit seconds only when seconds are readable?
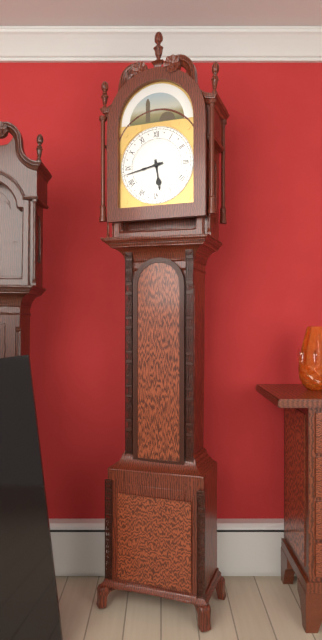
5.43
